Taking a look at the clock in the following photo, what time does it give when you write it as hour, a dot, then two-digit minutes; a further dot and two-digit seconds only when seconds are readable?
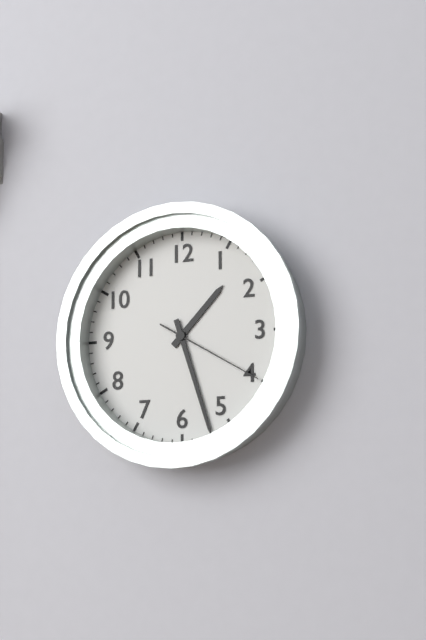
1.27.20
